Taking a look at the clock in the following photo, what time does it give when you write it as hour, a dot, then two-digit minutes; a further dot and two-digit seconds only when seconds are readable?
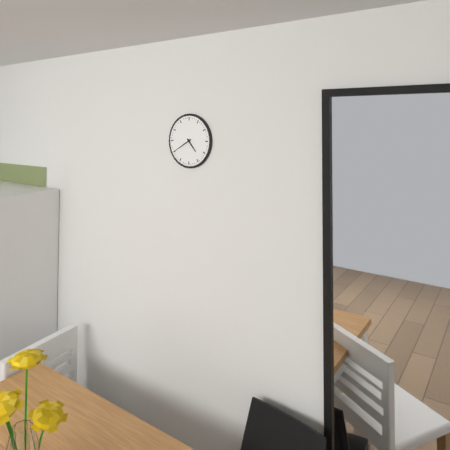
4.40
